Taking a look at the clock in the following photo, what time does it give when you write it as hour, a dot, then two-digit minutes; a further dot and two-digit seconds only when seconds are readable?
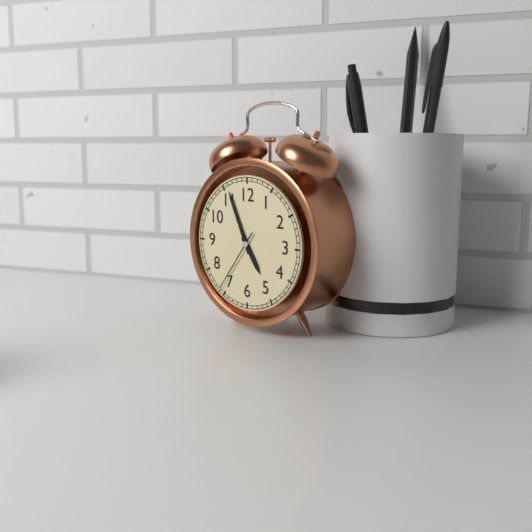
4.56.36
